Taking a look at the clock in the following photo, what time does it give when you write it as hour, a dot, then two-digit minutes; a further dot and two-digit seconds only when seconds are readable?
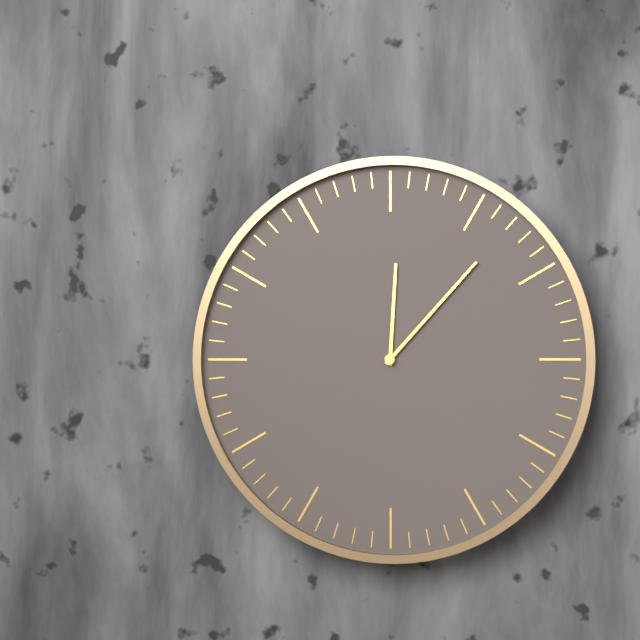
12.07
